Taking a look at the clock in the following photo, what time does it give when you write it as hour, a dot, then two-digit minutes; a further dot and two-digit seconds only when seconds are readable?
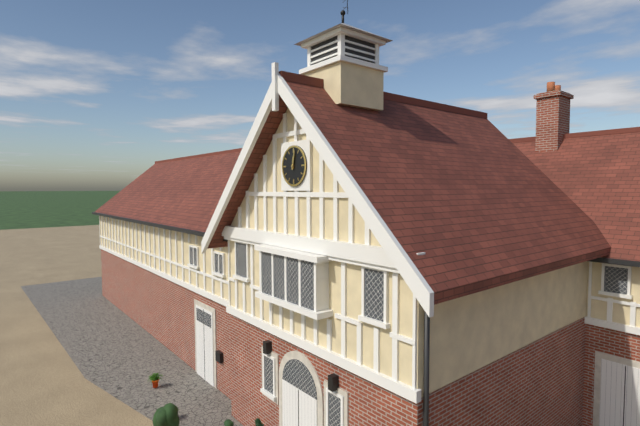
12.02
